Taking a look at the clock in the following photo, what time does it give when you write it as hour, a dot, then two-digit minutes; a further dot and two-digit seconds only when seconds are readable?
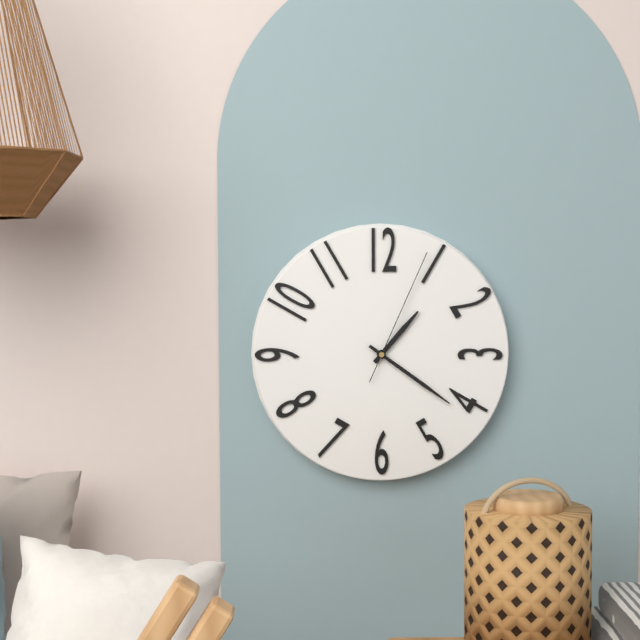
1.21.04
